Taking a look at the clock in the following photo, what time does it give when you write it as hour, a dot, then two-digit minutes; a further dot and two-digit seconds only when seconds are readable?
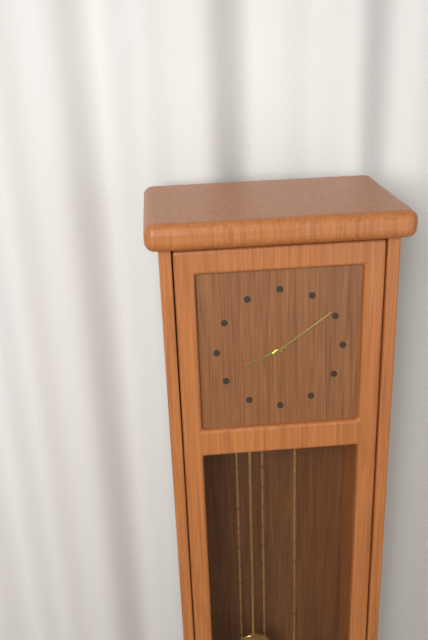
8.09
